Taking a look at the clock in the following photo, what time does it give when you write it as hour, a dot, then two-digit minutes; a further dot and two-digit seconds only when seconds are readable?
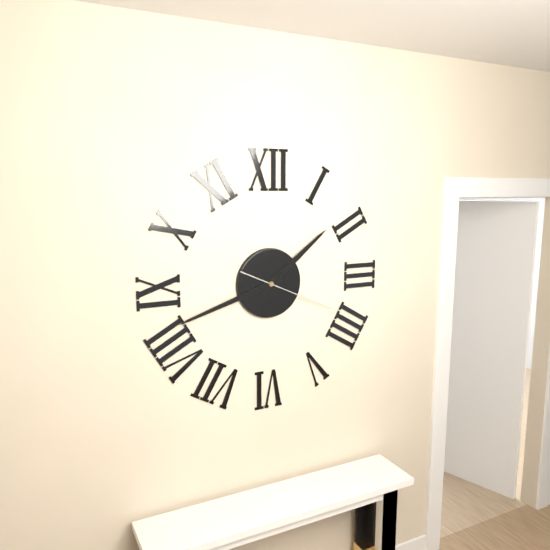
1.42.19
